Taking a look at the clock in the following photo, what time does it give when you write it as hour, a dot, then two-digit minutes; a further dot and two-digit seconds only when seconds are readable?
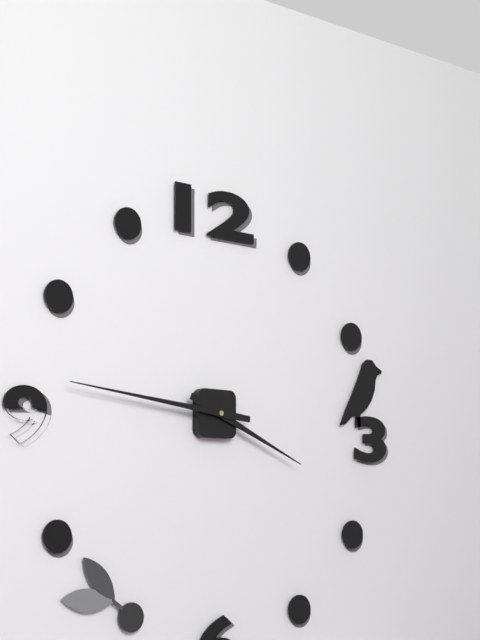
3.46
